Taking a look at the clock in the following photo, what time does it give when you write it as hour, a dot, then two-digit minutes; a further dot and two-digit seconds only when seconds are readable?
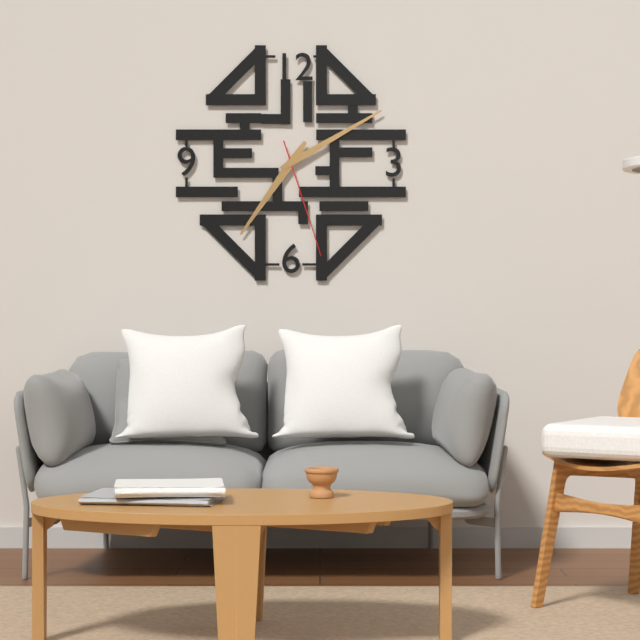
7.10.27
